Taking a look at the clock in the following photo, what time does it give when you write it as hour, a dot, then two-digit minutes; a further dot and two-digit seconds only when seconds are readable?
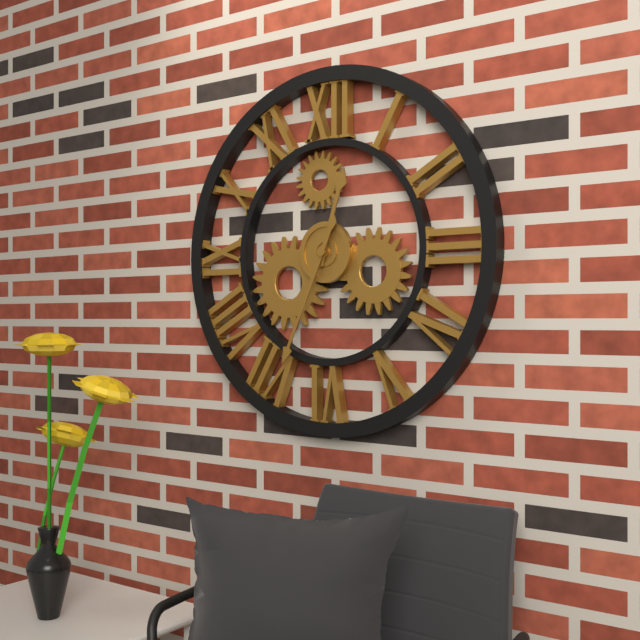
12.34
